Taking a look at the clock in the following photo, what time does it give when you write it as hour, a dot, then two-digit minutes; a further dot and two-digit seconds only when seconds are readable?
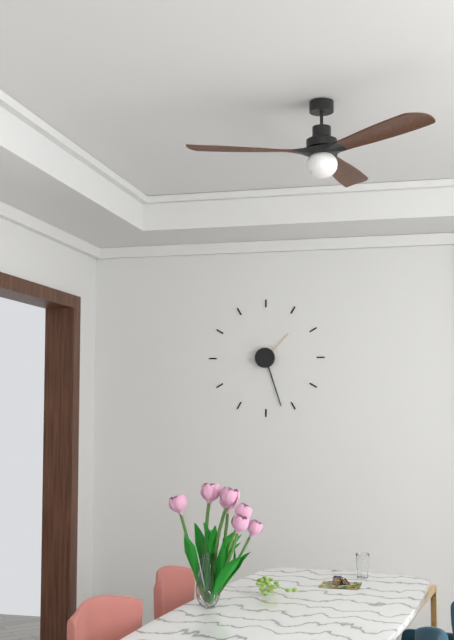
1.27
